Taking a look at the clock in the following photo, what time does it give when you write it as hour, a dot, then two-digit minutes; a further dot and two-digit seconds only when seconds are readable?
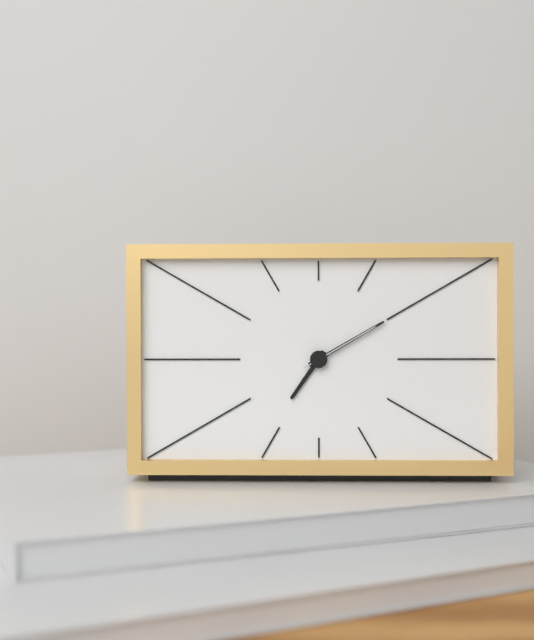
7.10.10
